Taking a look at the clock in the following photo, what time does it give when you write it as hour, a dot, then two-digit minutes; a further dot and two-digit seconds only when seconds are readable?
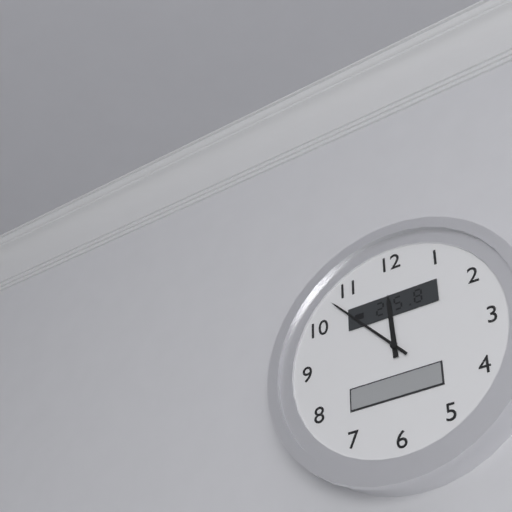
11.53
